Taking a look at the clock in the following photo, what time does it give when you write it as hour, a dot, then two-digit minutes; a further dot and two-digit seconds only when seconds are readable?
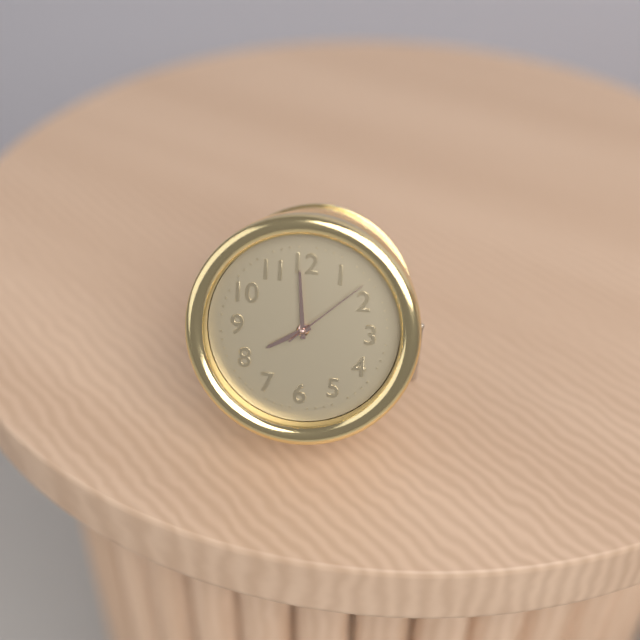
7.59.08
